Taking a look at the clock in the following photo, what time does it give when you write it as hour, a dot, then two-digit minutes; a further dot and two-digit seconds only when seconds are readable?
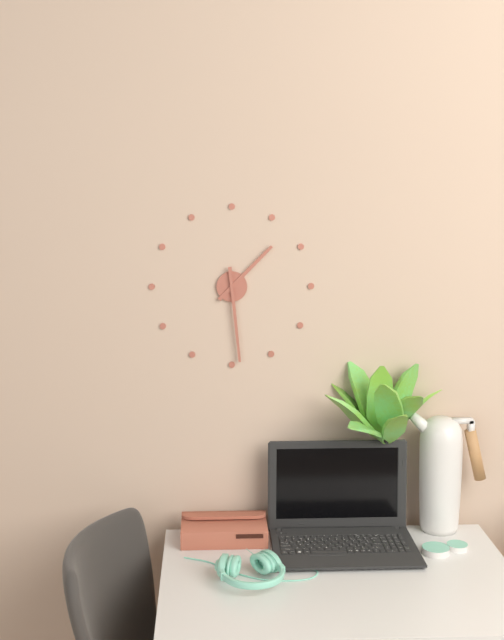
1.29
